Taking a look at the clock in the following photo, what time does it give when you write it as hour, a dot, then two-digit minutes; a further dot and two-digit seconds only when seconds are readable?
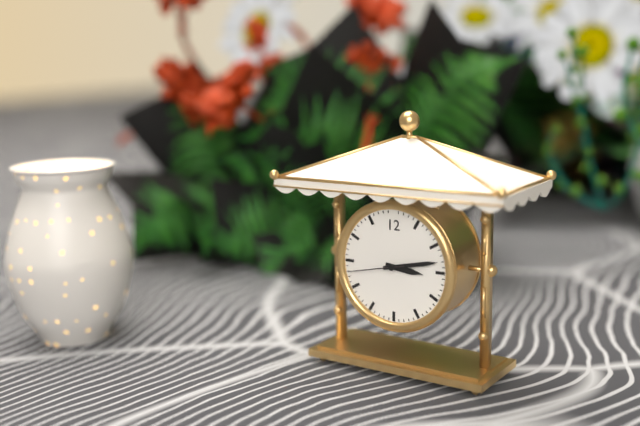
3.13.43
